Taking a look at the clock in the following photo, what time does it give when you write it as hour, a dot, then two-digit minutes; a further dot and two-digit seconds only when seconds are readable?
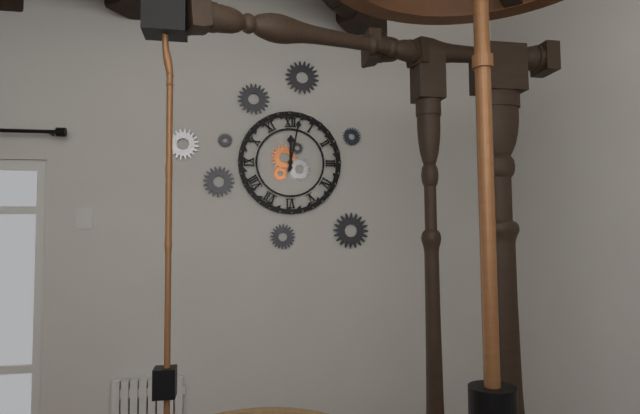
12.02
